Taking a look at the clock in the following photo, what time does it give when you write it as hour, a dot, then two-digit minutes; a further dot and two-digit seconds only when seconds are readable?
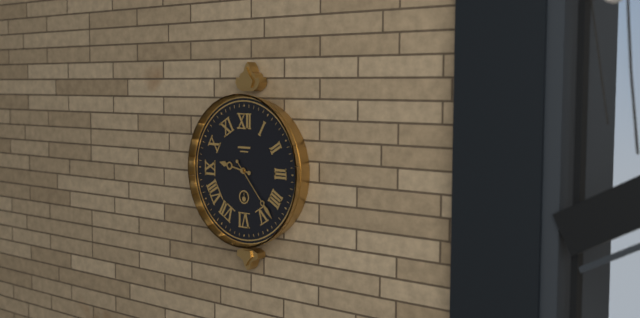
9.23
